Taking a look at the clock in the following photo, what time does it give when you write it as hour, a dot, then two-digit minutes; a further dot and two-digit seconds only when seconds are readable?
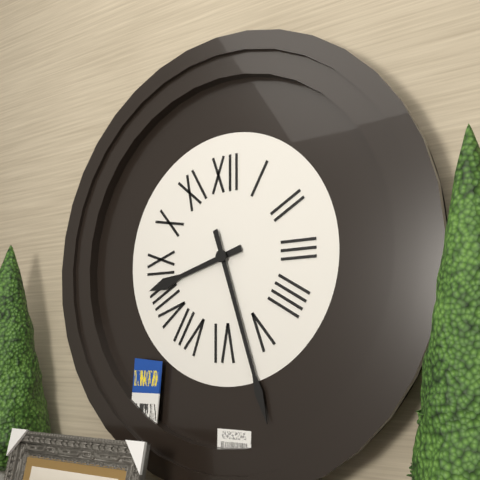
8.27
